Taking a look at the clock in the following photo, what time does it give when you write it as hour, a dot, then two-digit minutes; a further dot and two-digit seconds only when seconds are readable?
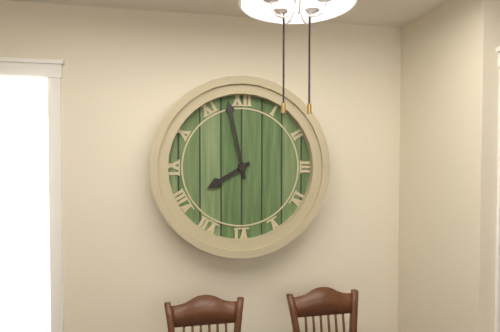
7.58
